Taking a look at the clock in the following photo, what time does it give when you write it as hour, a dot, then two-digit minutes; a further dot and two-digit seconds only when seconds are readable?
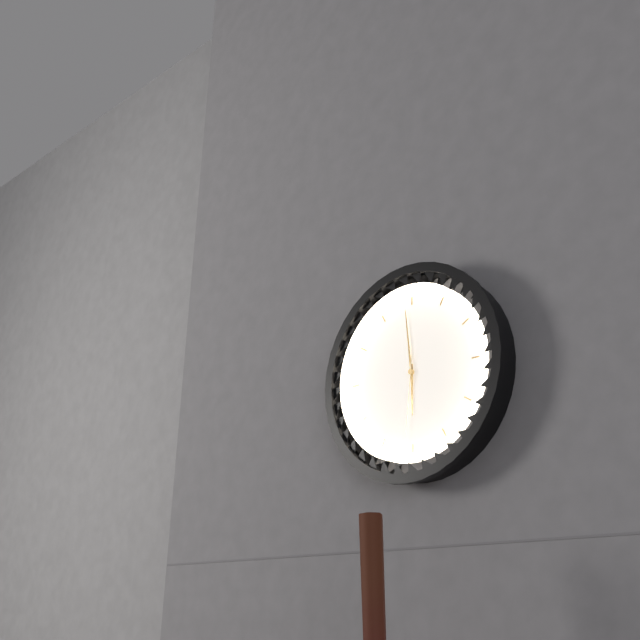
5.59.31
